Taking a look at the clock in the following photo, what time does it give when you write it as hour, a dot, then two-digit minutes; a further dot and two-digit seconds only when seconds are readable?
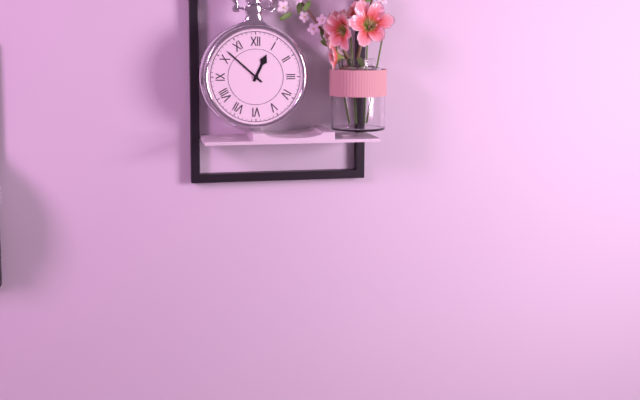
12.52
